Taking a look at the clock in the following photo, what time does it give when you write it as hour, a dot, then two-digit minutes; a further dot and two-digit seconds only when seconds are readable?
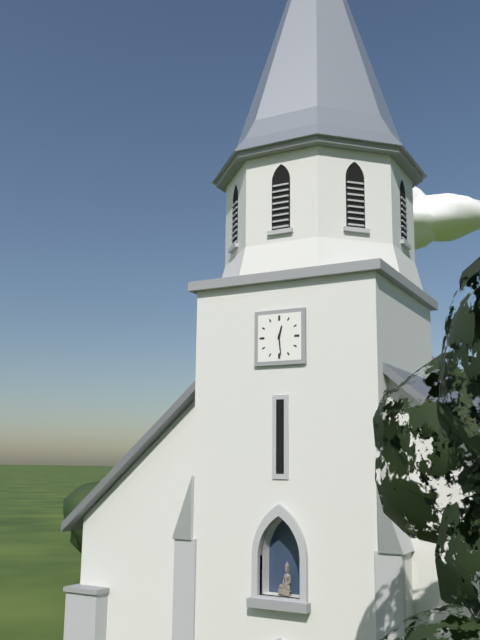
12.29
